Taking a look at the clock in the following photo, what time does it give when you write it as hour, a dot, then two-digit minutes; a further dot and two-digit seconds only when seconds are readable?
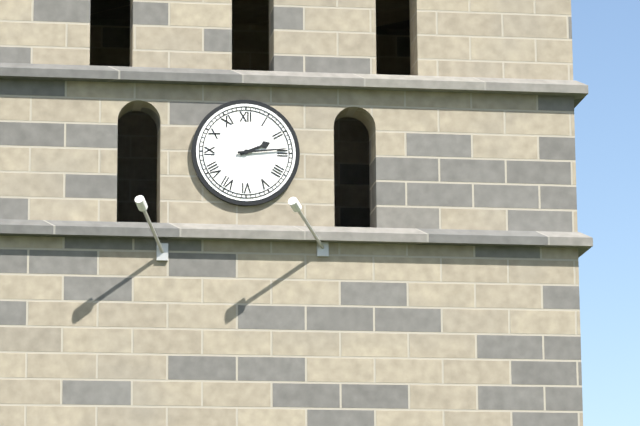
2.14
